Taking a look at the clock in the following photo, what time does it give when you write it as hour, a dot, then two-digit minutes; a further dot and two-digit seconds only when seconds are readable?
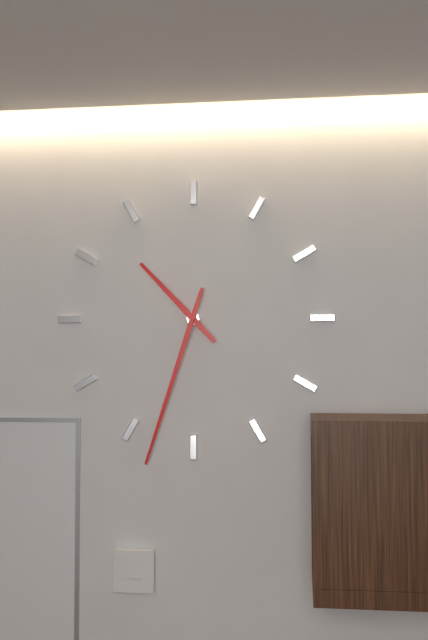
10.33
